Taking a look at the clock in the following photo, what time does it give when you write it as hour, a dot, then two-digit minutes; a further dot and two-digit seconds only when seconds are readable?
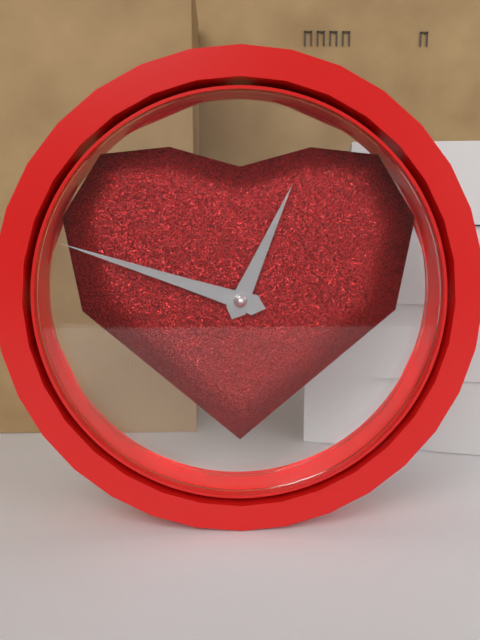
12.48
